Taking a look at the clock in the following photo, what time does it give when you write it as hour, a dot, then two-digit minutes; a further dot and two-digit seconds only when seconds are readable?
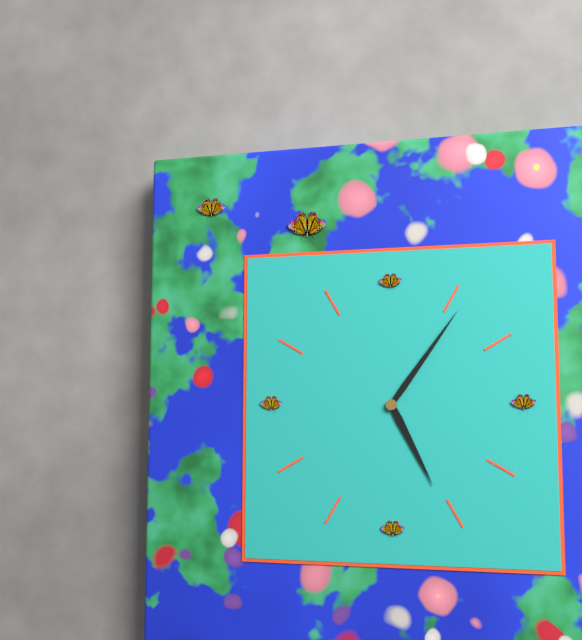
5.06
